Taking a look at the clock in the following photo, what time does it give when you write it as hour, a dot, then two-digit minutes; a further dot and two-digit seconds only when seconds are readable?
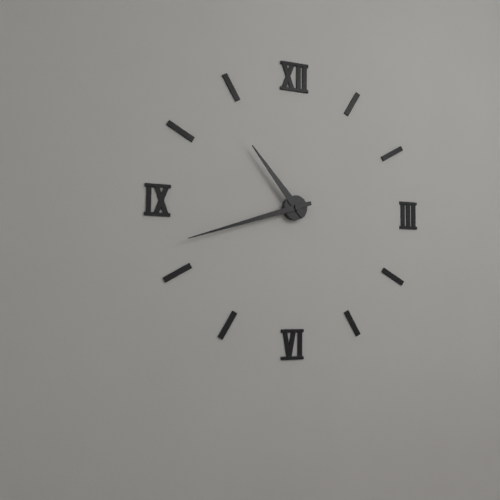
10.42
